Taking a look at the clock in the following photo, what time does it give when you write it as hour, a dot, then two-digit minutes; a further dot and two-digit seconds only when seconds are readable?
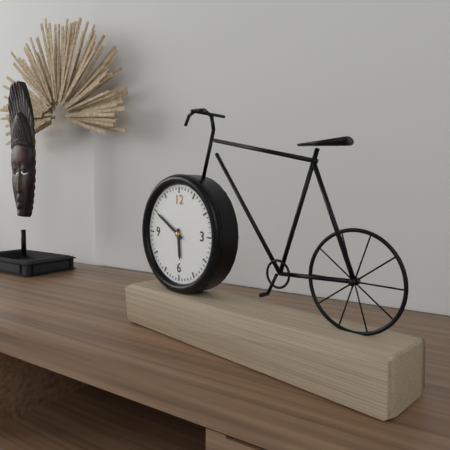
5.50
